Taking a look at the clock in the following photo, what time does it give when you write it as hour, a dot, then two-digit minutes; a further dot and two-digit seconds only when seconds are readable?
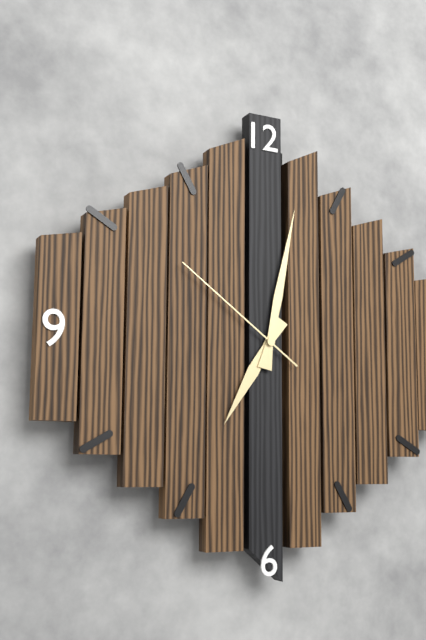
7.02.51
